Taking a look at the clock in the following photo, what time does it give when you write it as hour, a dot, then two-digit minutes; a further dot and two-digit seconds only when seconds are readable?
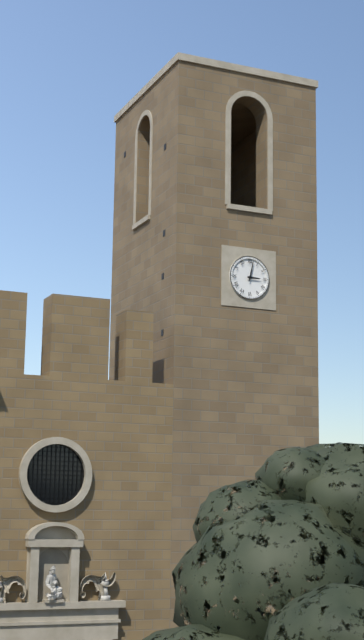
3.02
